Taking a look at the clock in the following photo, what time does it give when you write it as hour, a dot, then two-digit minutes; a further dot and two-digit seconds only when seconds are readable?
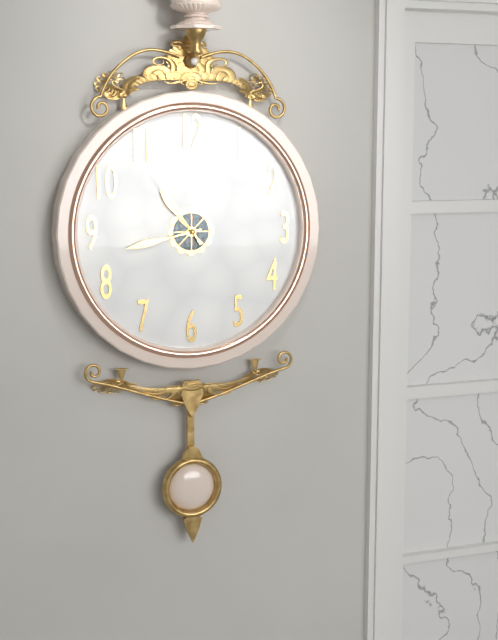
10.43.54
